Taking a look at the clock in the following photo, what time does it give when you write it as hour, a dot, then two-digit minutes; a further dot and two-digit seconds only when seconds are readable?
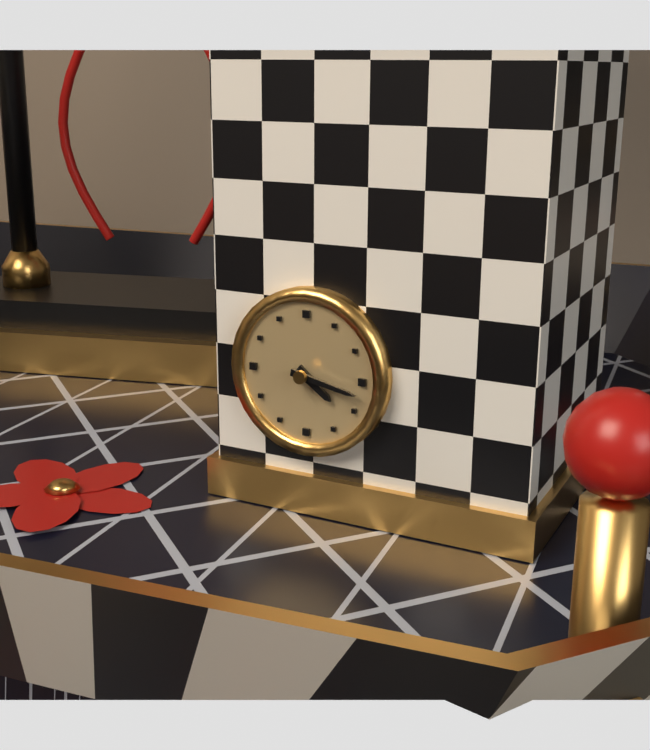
4.17
